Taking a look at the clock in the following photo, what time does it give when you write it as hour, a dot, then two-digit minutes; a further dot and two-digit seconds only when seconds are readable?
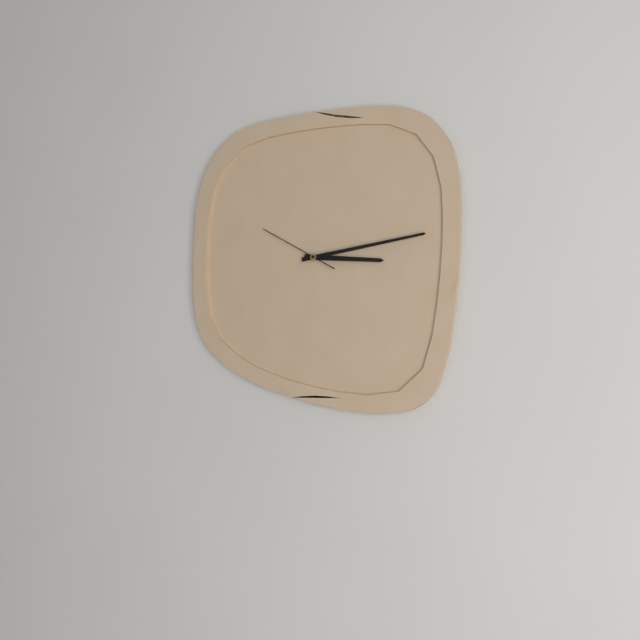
3.14.50
